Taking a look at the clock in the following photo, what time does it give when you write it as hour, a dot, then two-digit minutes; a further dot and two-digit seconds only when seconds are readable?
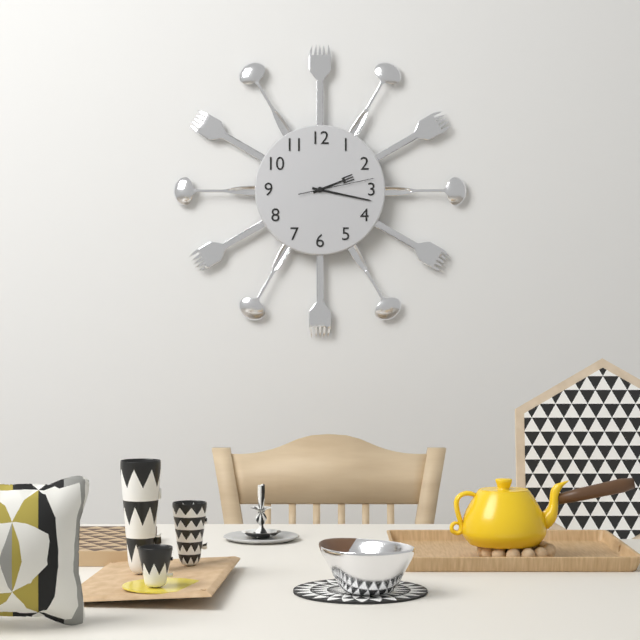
2.17.13
